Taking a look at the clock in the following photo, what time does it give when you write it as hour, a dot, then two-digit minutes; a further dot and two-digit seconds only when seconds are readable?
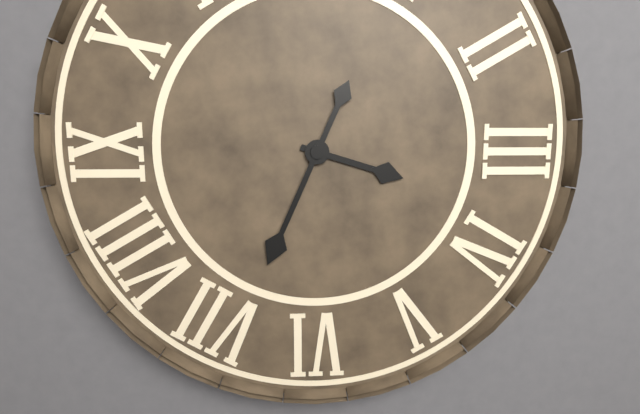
3.34
